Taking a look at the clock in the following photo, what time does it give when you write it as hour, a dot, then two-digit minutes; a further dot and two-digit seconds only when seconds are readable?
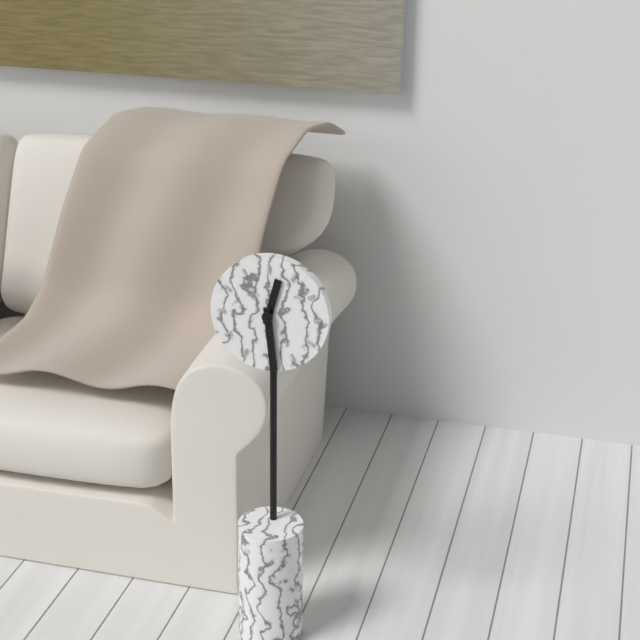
12.29
